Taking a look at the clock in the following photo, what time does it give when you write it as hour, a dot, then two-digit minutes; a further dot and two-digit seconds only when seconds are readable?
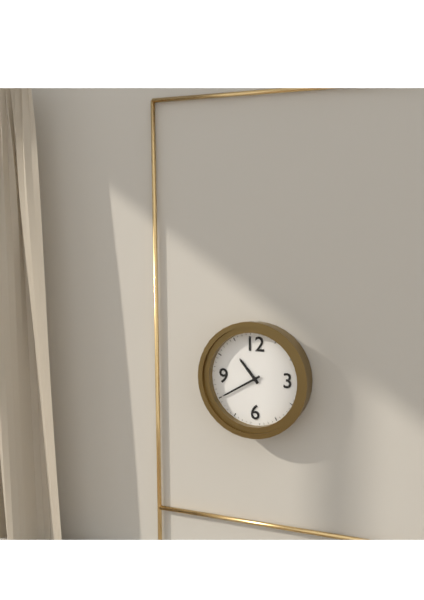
10.40
